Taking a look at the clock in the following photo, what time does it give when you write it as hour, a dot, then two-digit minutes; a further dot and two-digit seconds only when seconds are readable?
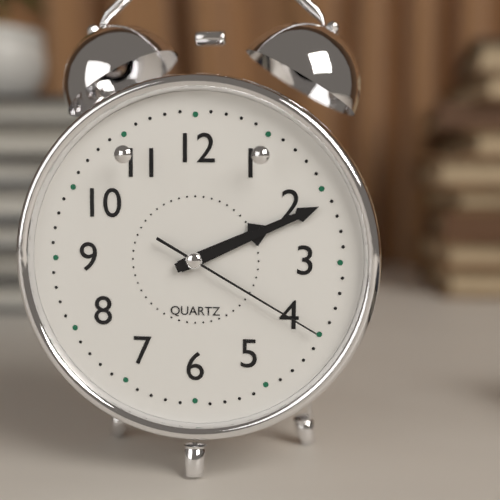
2.11.20
